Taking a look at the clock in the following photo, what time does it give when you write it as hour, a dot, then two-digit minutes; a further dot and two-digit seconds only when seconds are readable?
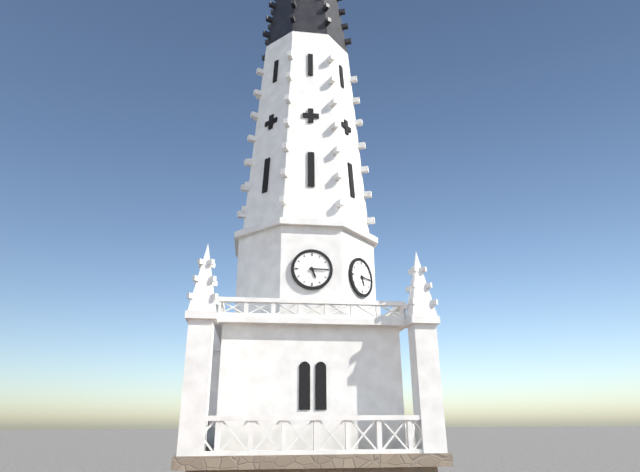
5.15
